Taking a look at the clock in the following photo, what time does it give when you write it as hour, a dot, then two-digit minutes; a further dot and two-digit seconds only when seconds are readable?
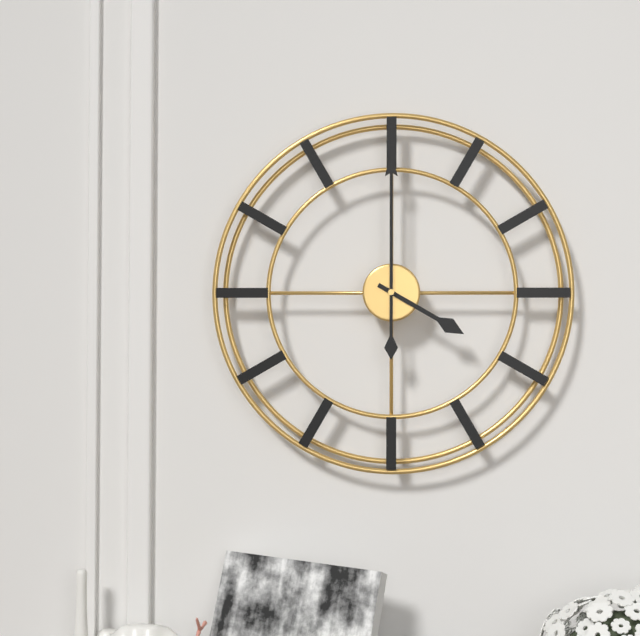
4.00
